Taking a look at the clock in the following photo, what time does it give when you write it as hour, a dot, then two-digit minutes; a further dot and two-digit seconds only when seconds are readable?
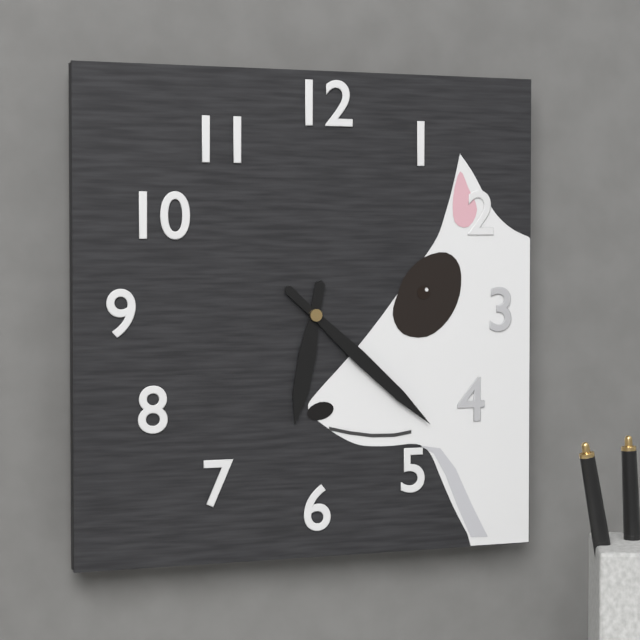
6.22
